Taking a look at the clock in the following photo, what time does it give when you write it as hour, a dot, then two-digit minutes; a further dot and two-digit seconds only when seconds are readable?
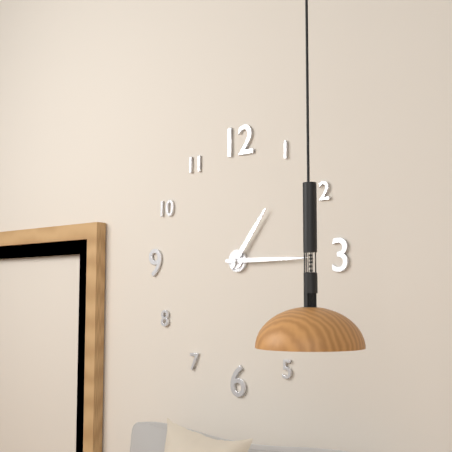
1.15
